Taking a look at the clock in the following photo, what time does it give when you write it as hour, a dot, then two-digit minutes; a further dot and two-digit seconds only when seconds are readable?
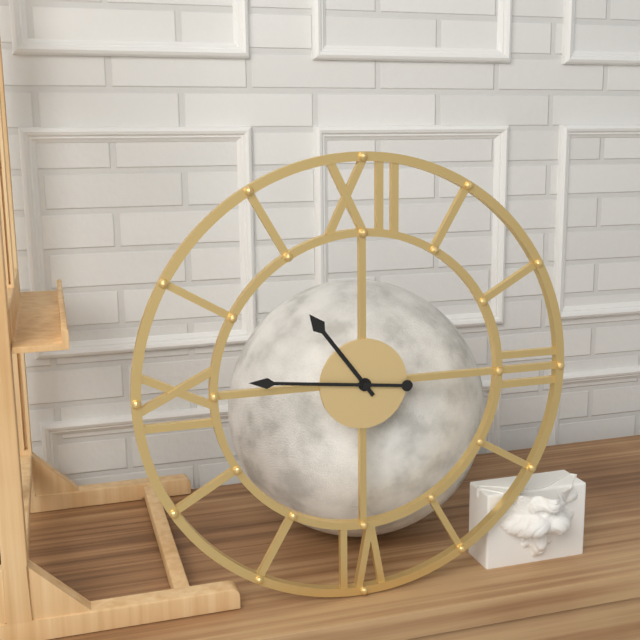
10.46
